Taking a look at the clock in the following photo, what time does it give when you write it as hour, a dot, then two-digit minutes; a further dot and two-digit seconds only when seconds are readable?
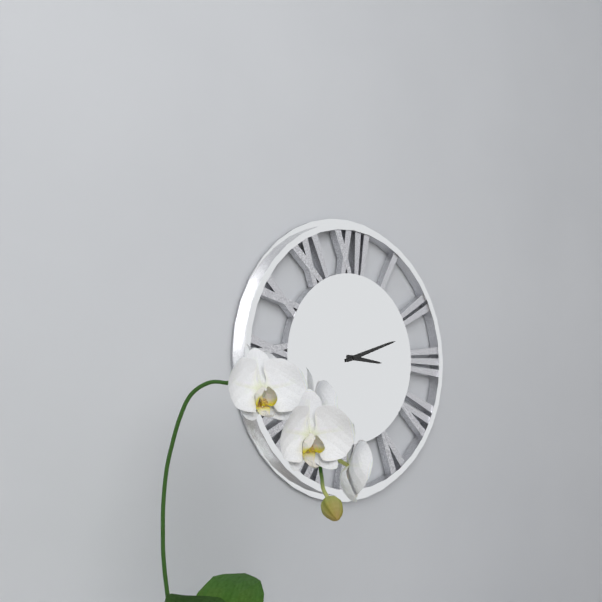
3.12
